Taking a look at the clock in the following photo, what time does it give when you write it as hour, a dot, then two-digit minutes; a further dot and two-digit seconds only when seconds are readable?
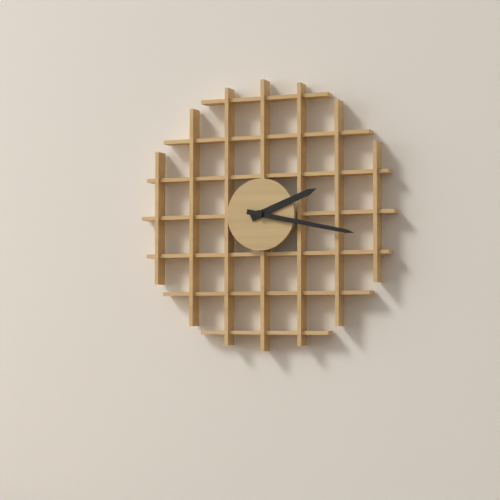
2.17
